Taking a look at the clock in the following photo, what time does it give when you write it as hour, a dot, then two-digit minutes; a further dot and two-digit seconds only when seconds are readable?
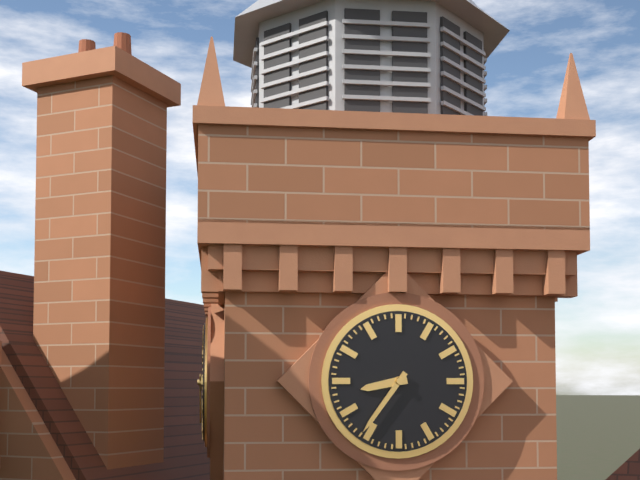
8.36
